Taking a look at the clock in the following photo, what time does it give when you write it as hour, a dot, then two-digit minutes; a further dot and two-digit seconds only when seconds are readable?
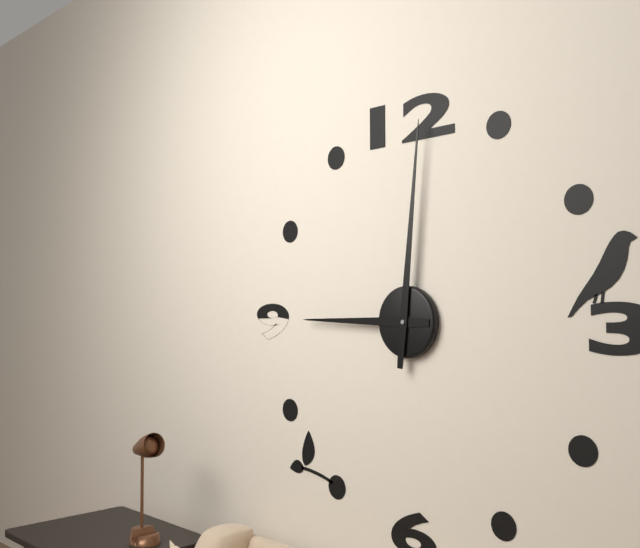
9.01
